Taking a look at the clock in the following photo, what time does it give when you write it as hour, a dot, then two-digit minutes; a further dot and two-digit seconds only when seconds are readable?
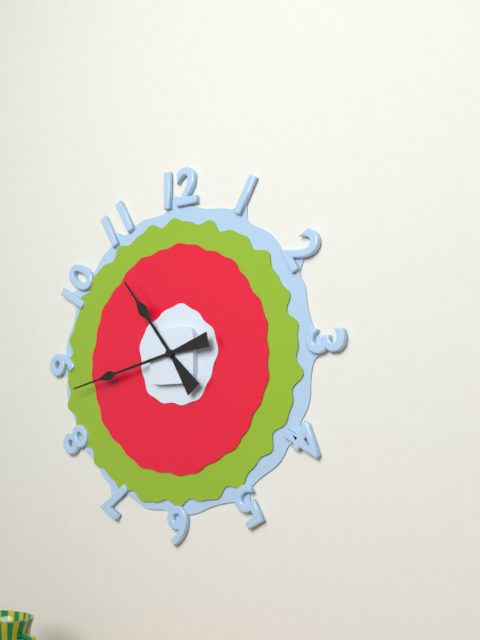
10.43
